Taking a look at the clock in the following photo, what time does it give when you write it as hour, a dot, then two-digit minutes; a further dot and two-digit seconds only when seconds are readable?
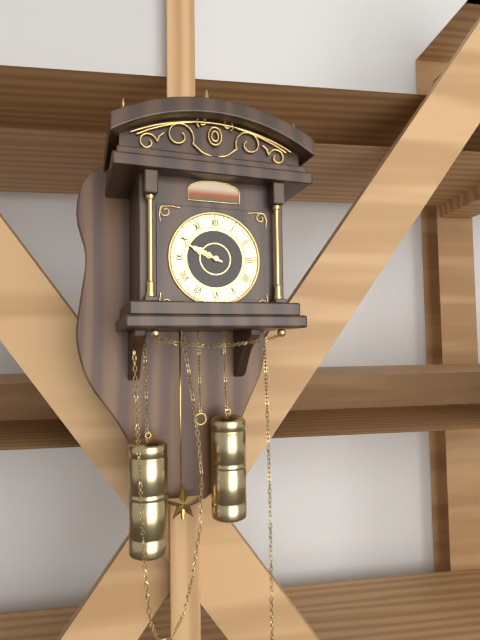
9.49
